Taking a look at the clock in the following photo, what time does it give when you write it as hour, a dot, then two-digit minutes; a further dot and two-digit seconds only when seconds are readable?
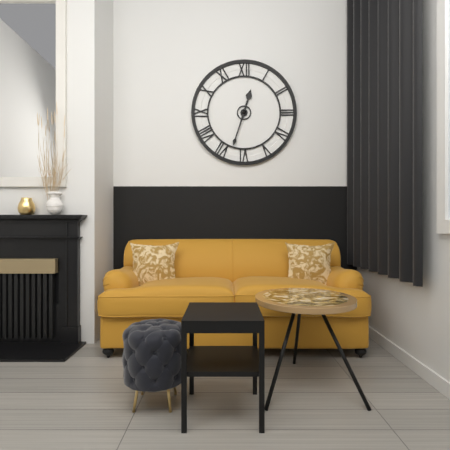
12.33
